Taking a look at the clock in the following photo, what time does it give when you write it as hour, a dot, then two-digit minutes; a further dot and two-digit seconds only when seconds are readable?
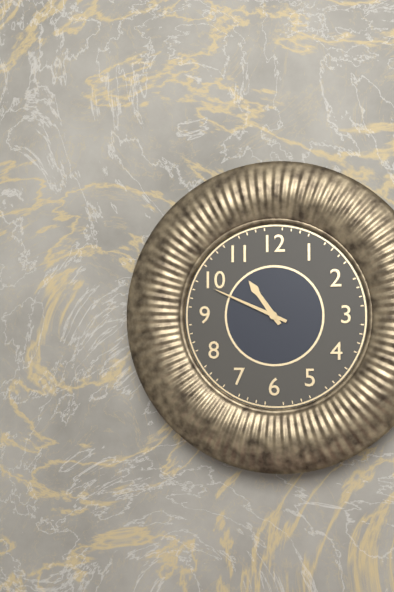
10.49
